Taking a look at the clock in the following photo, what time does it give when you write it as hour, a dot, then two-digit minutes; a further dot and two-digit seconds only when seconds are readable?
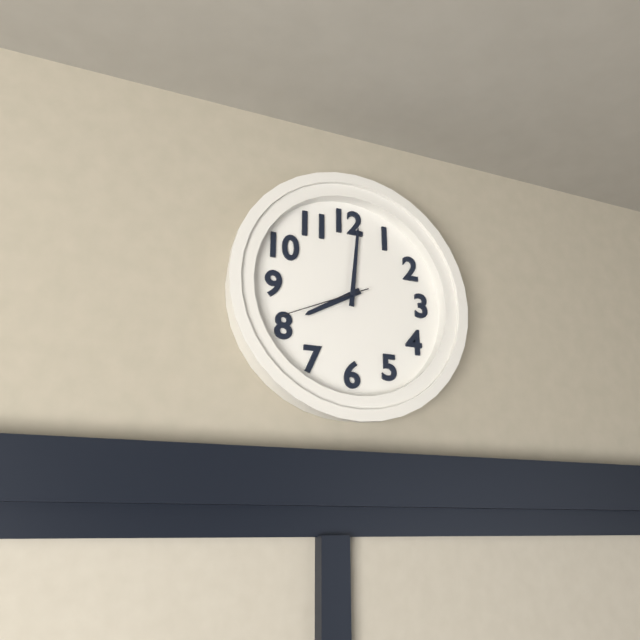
8.01.41
